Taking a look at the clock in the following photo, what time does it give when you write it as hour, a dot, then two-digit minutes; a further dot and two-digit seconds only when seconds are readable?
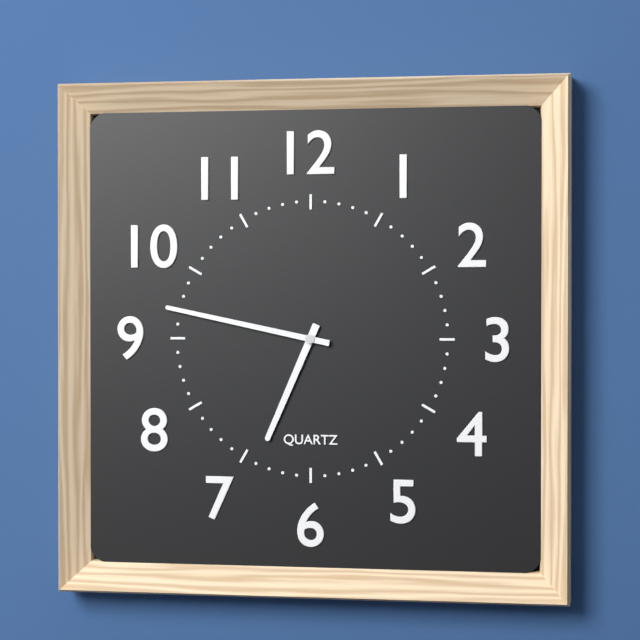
6.47
